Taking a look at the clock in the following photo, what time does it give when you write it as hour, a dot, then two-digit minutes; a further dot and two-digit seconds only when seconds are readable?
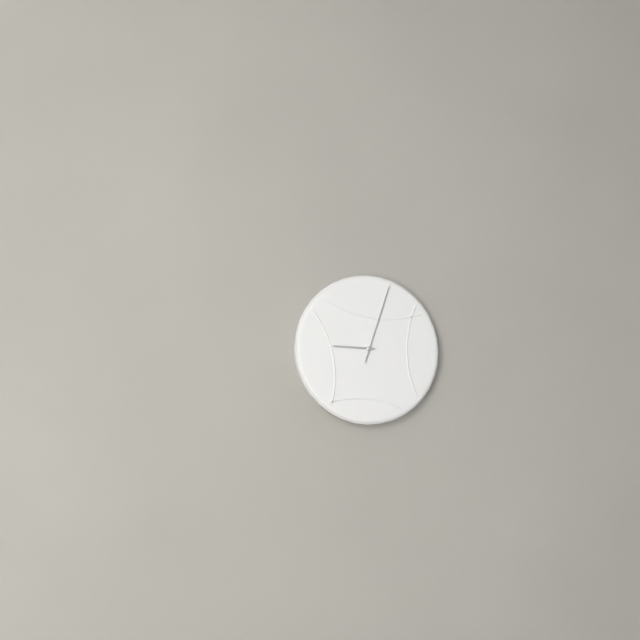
9.03
